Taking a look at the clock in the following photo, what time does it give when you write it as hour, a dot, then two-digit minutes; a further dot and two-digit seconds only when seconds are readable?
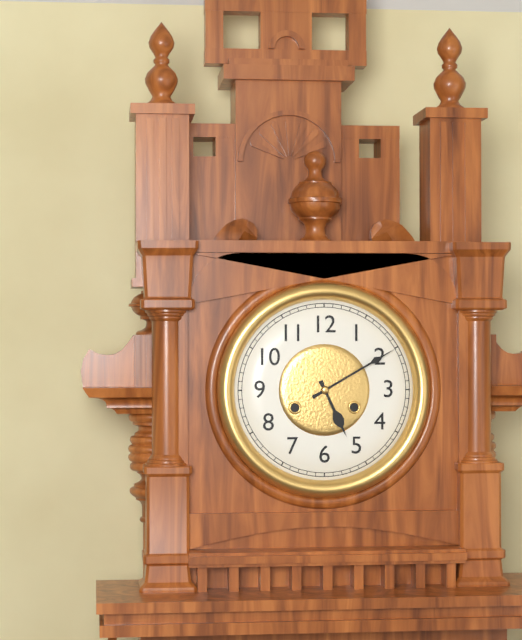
5.10
